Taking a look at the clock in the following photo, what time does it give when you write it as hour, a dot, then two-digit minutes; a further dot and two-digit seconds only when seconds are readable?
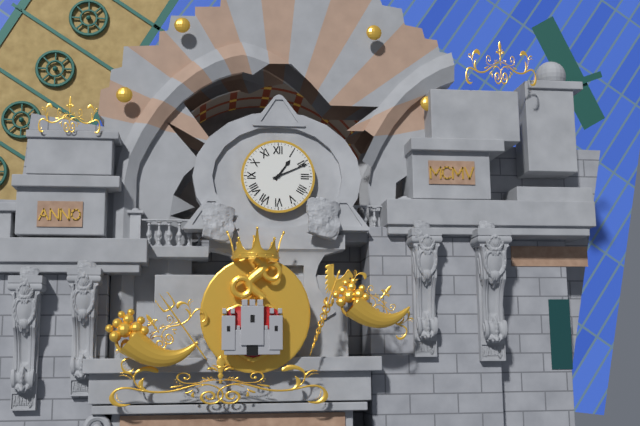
1.11
